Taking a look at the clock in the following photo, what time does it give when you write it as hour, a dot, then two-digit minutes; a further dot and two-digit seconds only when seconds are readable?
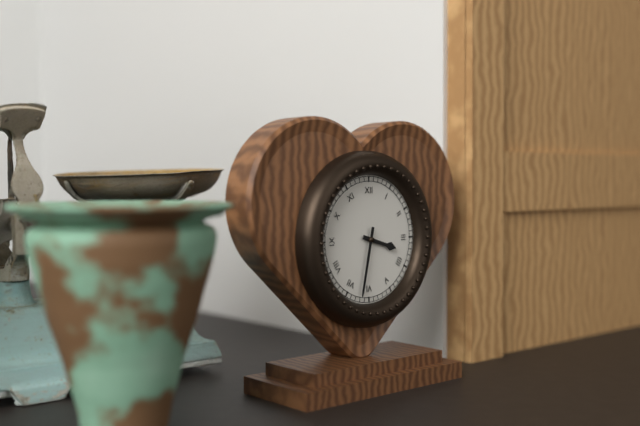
3.32
